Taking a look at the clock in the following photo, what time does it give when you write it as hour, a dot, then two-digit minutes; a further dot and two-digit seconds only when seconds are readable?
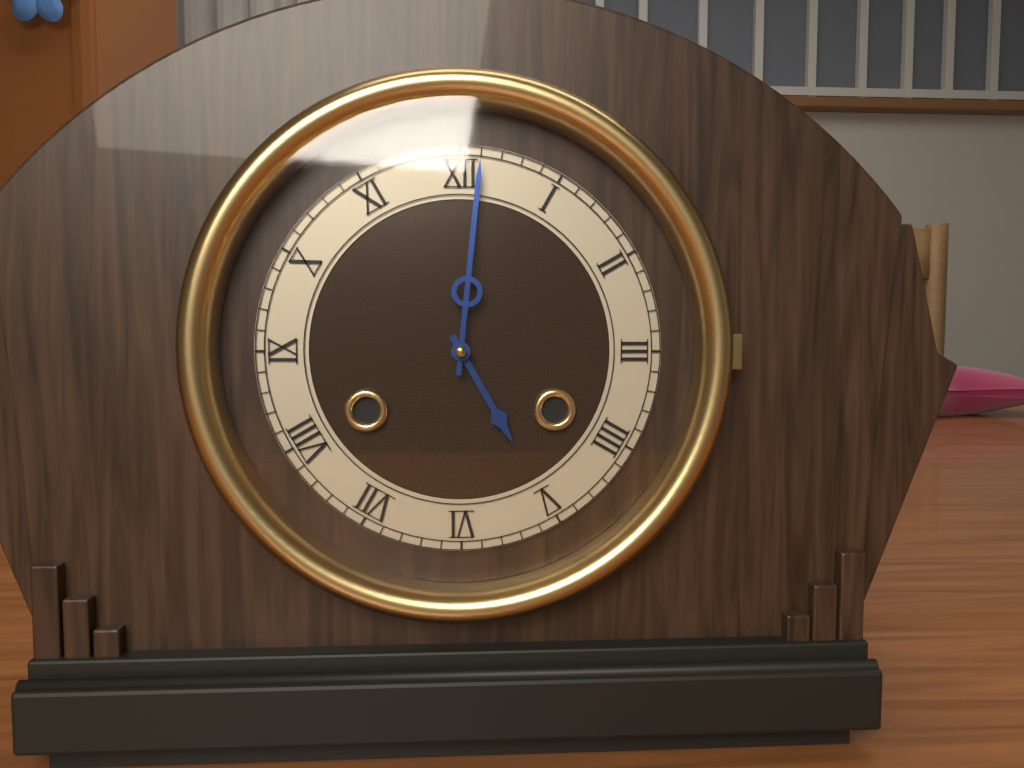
5.01
